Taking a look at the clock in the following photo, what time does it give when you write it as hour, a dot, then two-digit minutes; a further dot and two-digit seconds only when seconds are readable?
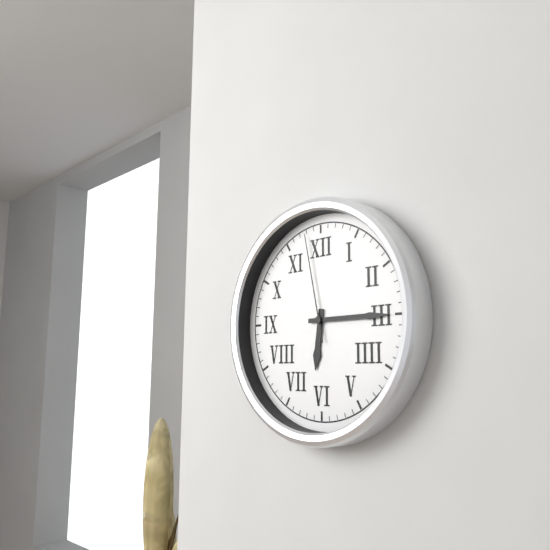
6.15.58
